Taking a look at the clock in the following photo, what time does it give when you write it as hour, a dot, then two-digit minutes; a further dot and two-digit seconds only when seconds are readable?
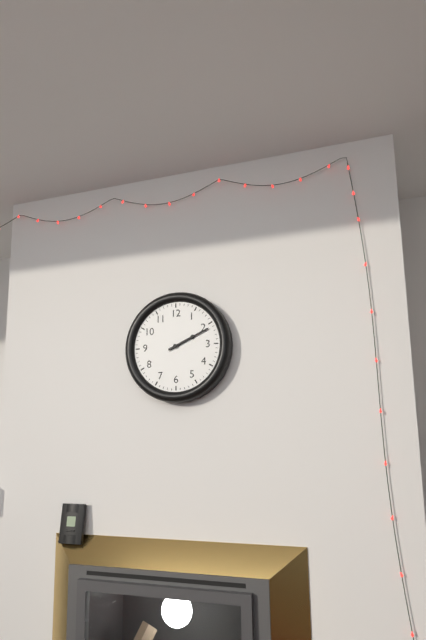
2.11
